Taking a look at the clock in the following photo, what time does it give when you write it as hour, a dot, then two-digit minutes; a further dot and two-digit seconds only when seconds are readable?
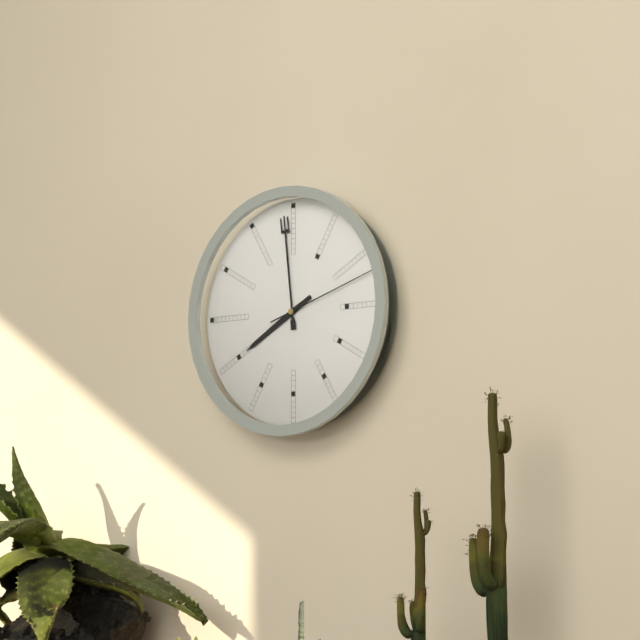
7.59.12
